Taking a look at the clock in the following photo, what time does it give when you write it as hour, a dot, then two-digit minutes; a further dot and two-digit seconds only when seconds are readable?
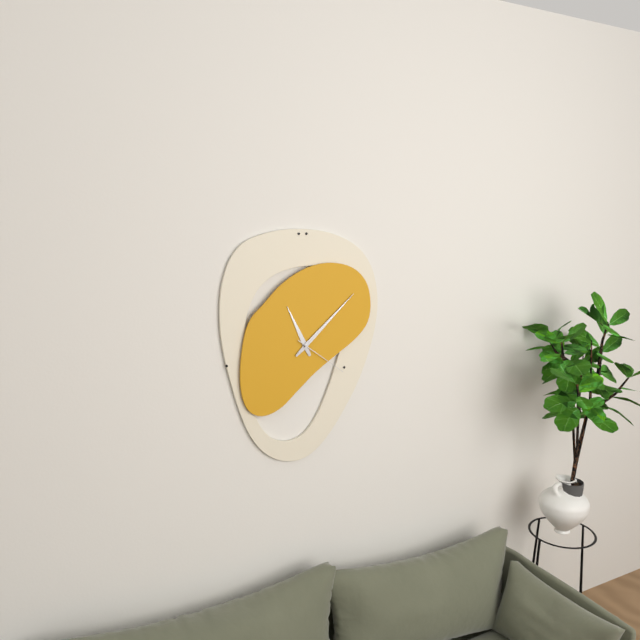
11.08.21
